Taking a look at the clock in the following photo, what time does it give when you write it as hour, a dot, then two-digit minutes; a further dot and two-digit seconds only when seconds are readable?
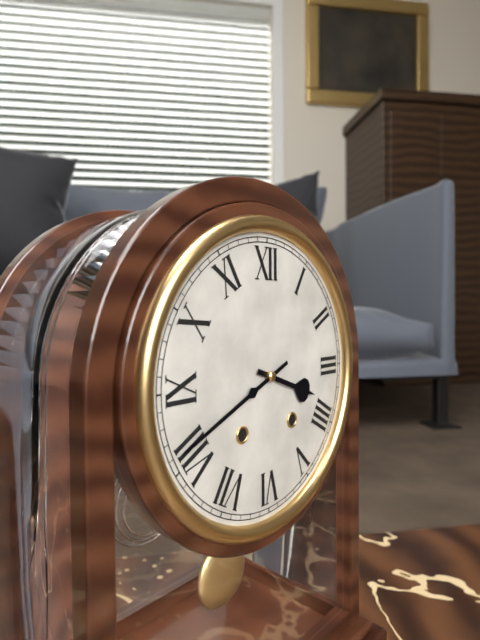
3.41
